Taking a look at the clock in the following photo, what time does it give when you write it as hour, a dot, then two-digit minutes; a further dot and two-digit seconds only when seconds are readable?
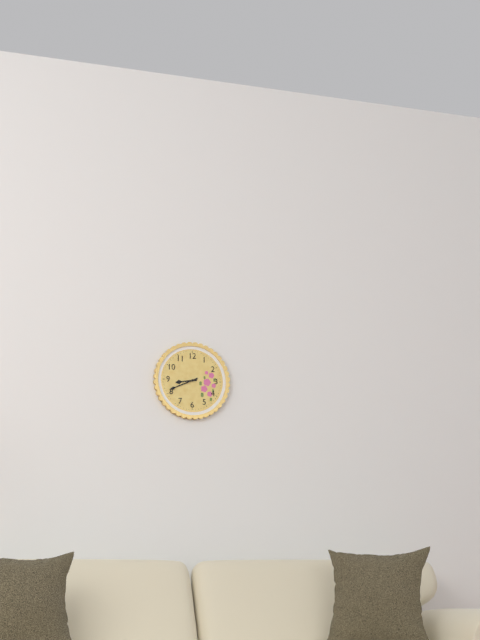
8.41
